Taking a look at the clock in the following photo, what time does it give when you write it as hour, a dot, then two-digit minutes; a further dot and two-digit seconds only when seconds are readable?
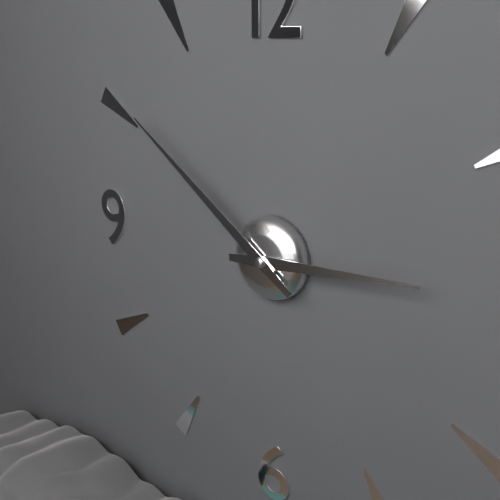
2.51
